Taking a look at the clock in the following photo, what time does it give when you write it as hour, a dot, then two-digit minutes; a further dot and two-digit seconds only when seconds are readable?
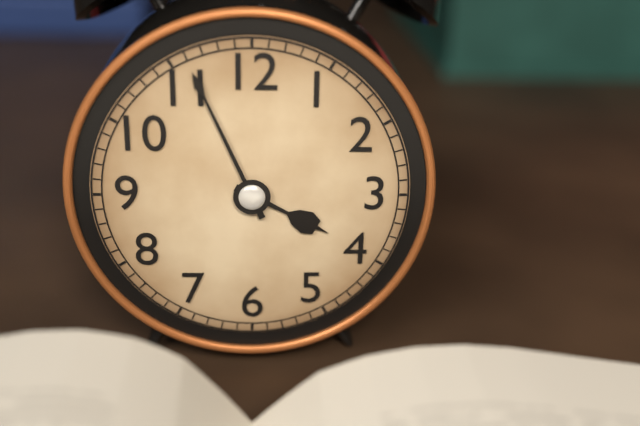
3.56
